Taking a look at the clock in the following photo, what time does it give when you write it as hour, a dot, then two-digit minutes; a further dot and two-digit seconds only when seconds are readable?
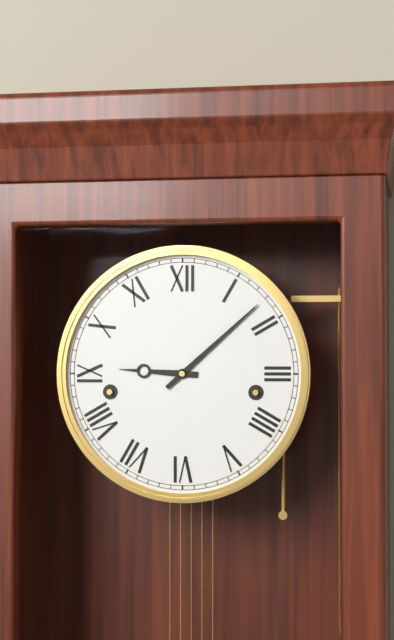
9.08
